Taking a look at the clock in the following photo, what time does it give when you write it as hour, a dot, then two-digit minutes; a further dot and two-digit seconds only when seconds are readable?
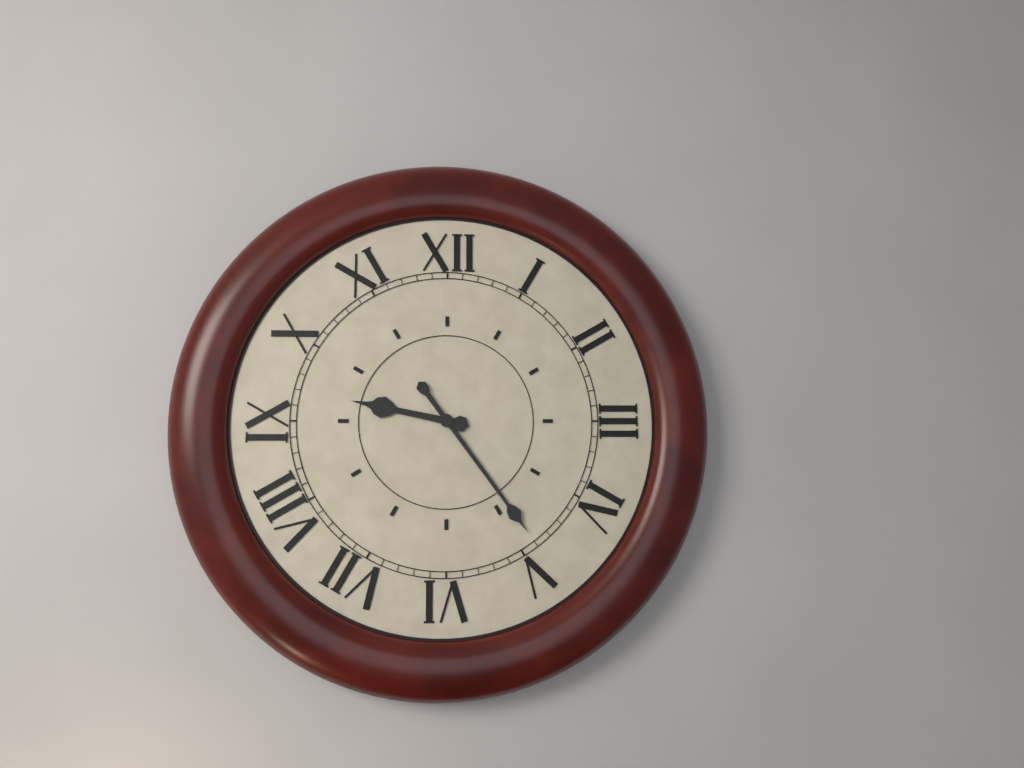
9.24
